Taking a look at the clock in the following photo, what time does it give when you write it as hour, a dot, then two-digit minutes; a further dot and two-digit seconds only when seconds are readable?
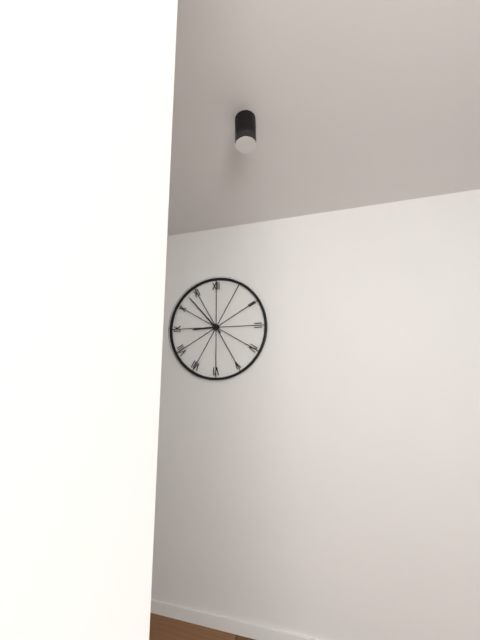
8.53
